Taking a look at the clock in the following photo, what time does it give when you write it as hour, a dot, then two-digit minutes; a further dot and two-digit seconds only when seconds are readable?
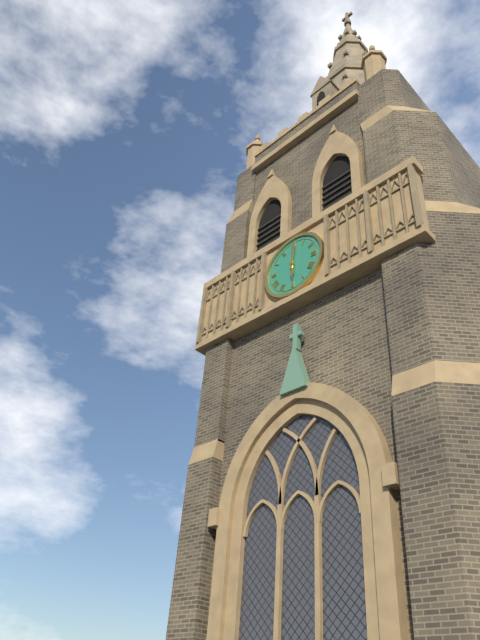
6.01
